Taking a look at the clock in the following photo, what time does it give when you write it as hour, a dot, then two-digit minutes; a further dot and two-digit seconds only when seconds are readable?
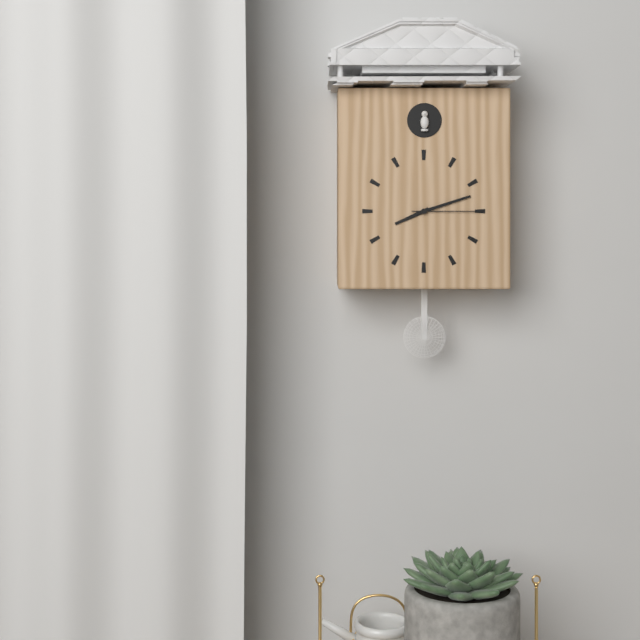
8.12.15
